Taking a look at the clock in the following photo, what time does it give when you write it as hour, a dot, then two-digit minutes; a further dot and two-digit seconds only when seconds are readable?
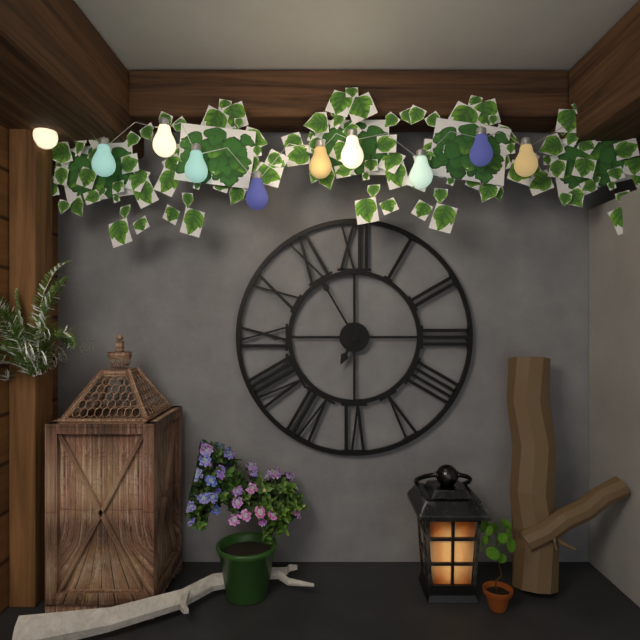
6.55
